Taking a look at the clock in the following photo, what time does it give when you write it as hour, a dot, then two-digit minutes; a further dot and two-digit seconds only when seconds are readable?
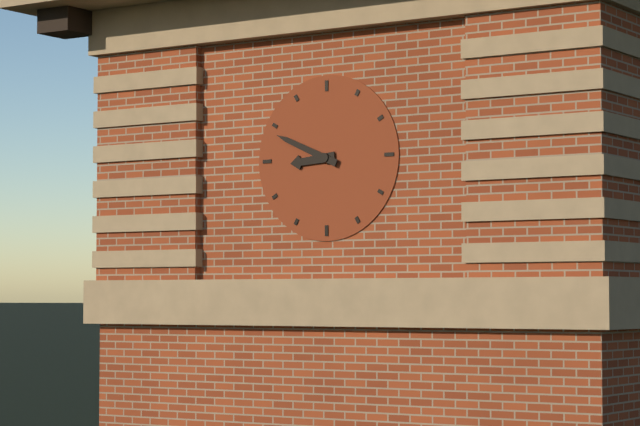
8.49
